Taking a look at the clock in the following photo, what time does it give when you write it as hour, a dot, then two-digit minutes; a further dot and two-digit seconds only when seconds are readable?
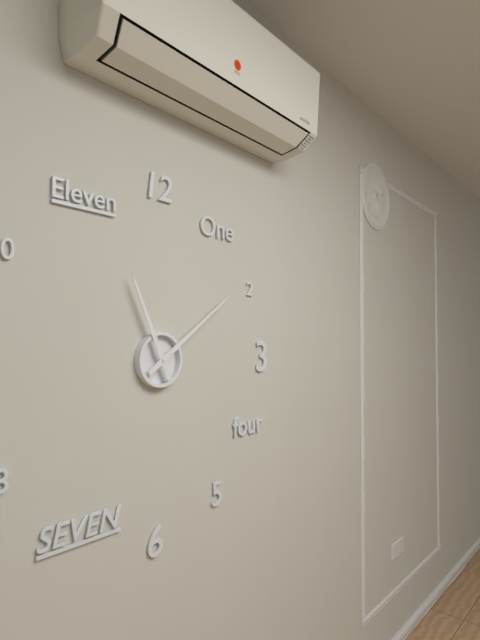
11.09
